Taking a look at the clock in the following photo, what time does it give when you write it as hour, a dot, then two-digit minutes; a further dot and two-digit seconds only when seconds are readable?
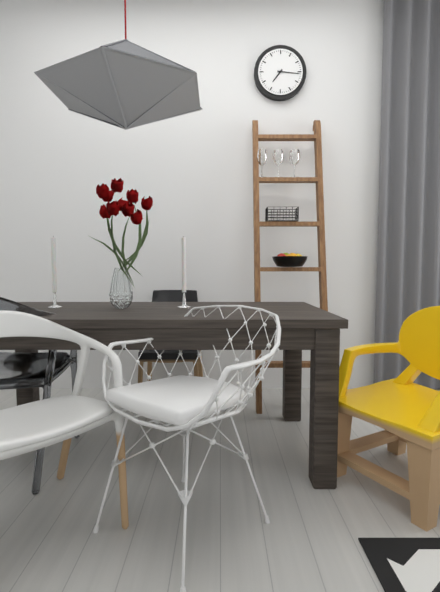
7.16
